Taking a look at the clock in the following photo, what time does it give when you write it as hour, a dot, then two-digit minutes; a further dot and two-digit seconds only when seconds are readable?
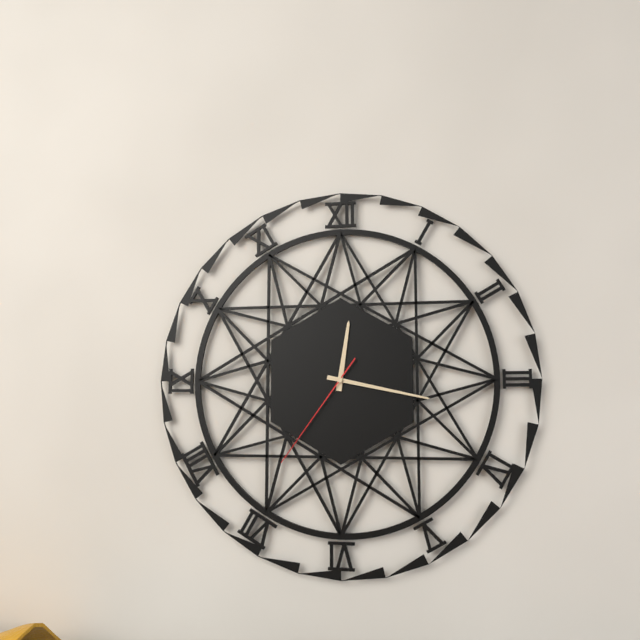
12.17.36
